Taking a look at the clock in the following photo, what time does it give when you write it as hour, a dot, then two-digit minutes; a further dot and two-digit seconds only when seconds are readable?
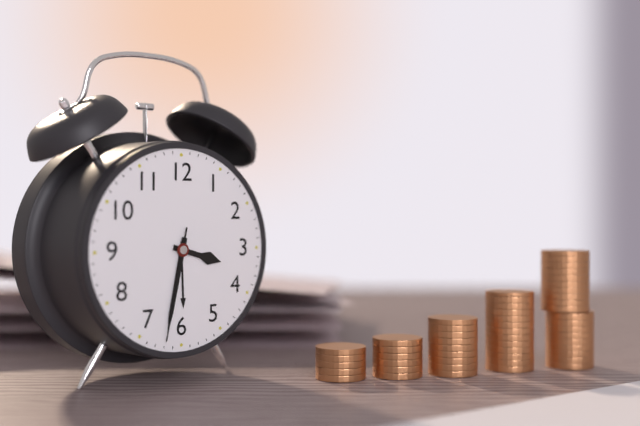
3.32.32
